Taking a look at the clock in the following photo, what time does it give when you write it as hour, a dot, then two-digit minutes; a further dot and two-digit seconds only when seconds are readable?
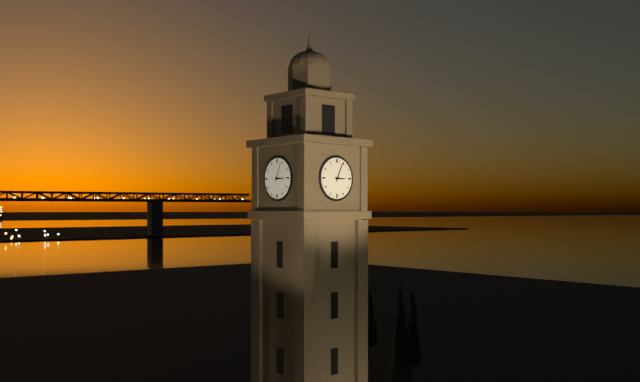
3.04
